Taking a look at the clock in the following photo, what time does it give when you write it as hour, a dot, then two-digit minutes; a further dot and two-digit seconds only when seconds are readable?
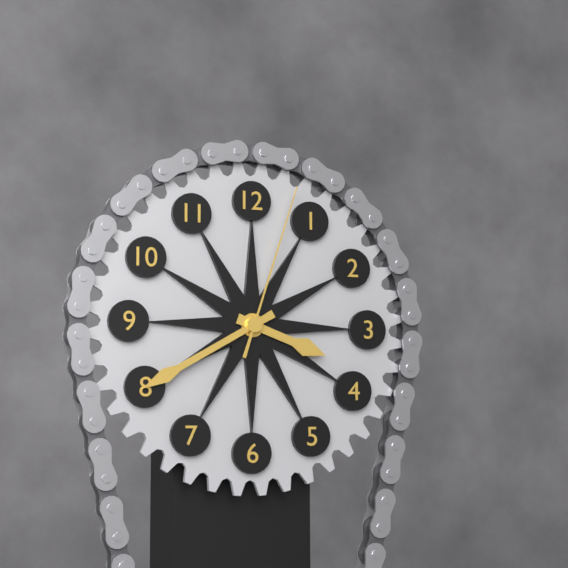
3.40.03
